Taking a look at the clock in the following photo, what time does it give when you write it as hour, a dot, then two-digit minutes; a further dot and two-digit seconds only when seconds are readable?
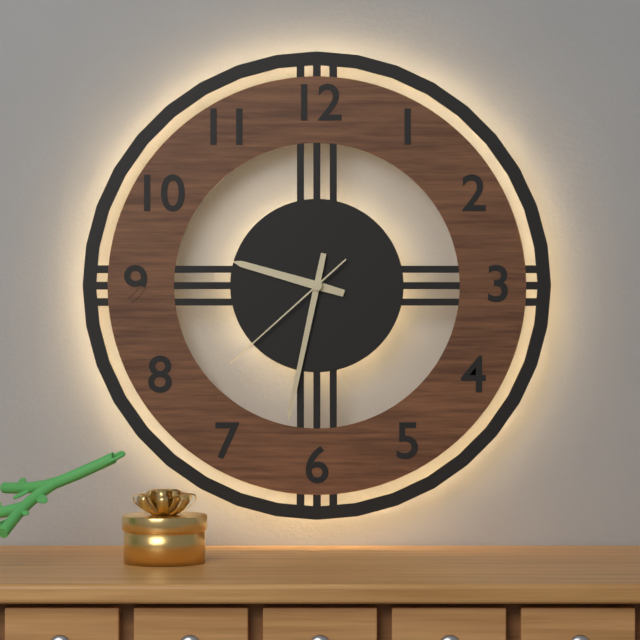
9.32.38
